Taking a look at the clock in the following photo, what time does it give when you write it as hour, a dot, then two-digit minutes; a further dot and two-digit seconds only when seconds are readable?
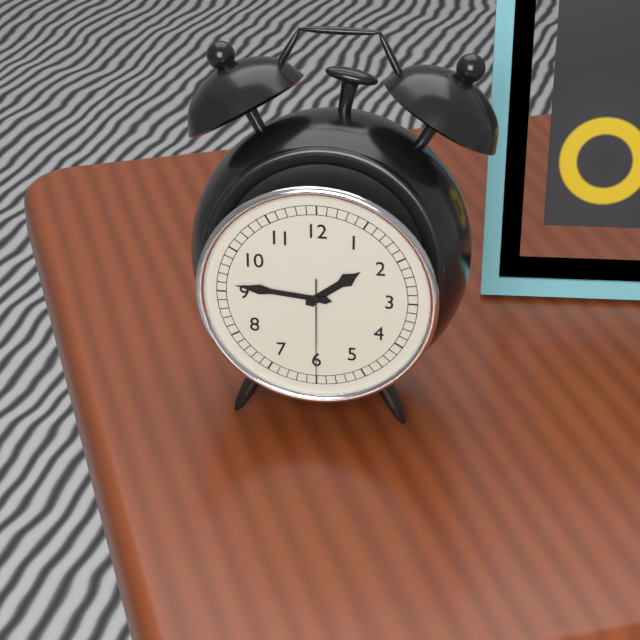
1.46.30
